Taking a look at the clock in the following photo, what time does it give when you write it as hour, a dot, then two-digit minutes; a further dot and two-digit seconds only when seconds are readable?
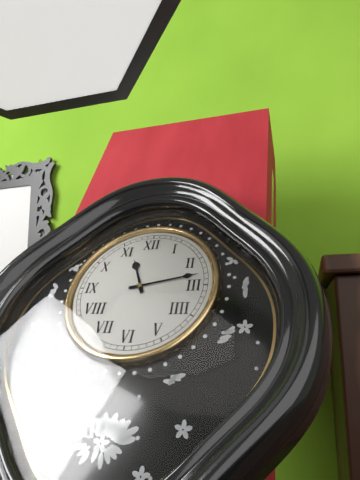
11.13
